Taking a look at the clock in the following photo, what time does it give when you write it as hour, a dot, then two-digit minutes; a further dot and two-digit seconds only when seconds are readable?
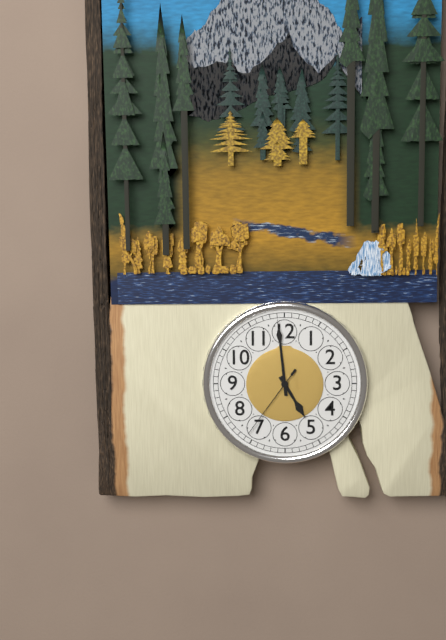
4.59.36
